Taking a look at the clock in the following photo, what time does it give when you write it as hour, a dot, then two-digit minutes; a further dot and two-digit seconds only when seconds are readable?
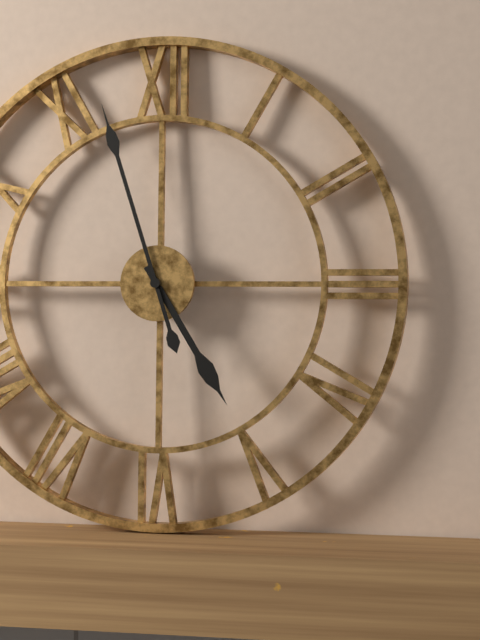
4.57
